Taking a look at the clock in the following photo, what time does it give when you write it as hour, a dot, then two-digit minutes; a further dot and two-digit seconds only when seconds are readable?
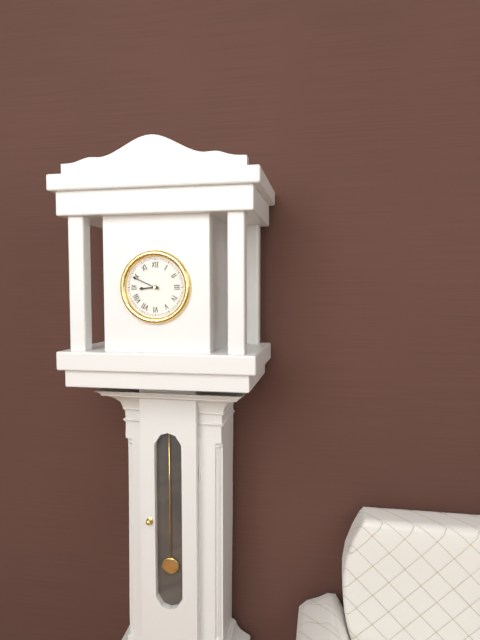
8.49
